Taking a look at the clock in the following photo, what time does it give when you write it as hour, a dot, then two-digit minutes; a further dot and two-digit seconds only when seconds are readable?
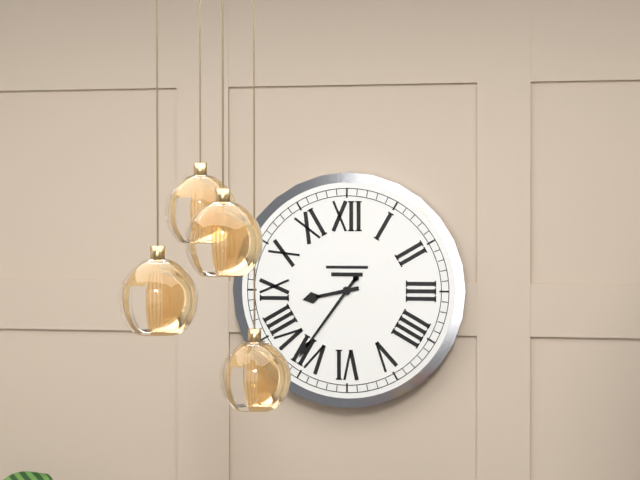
8.36
